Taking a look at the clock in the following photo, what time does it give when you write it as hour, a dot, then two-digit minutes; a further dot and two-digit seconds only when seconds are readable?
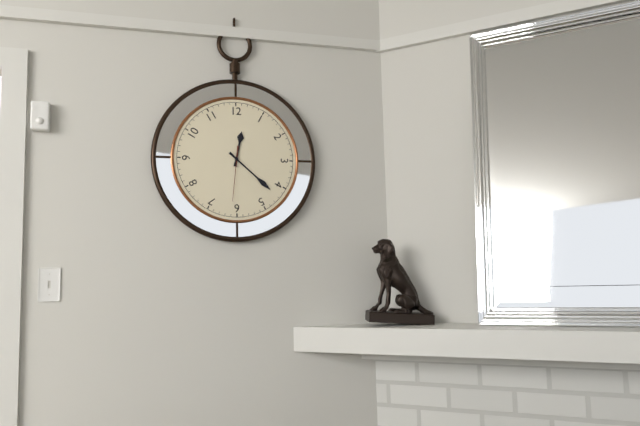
12.22.31
